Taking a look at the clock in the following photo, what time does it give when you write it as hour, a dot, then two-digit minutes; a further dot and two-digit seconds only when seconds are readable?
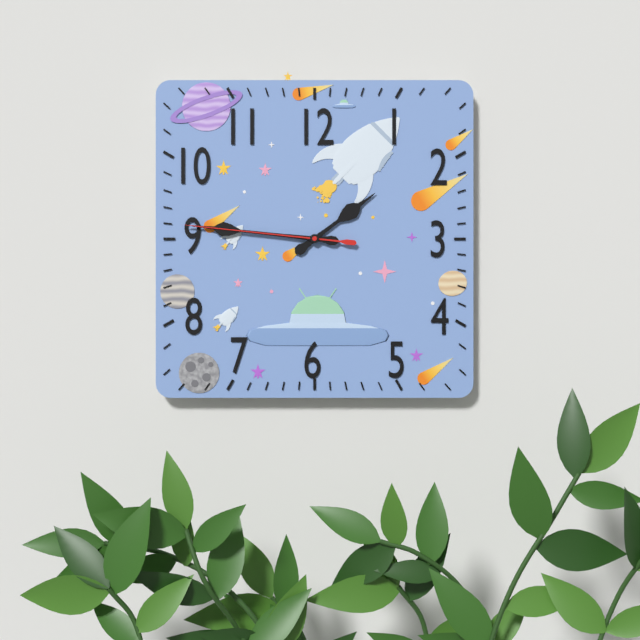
1.46.46
